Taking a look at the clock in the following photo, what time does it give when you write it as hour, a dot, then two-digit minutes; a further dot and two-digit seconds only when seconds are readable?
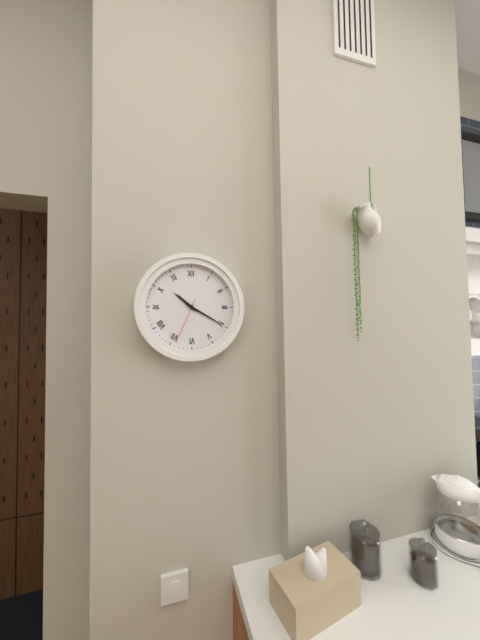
10.20
